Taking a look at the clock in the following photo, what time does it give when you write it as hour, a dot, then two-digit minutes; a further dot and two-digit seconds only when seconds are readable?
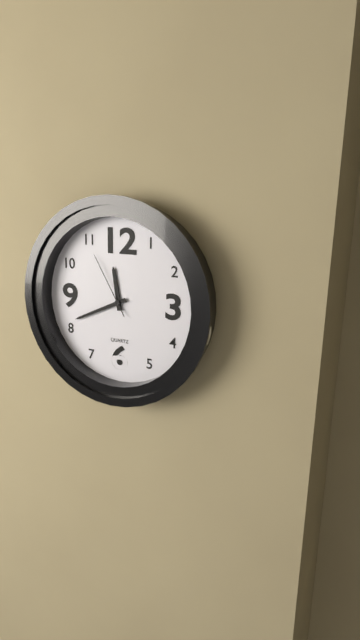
11.41.55
